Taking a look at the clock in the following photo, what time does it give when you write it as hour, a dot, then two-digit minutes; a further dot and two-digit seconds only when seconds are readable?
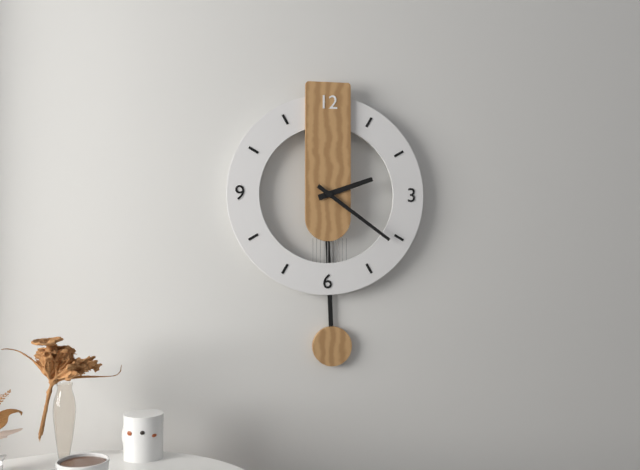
2.21
